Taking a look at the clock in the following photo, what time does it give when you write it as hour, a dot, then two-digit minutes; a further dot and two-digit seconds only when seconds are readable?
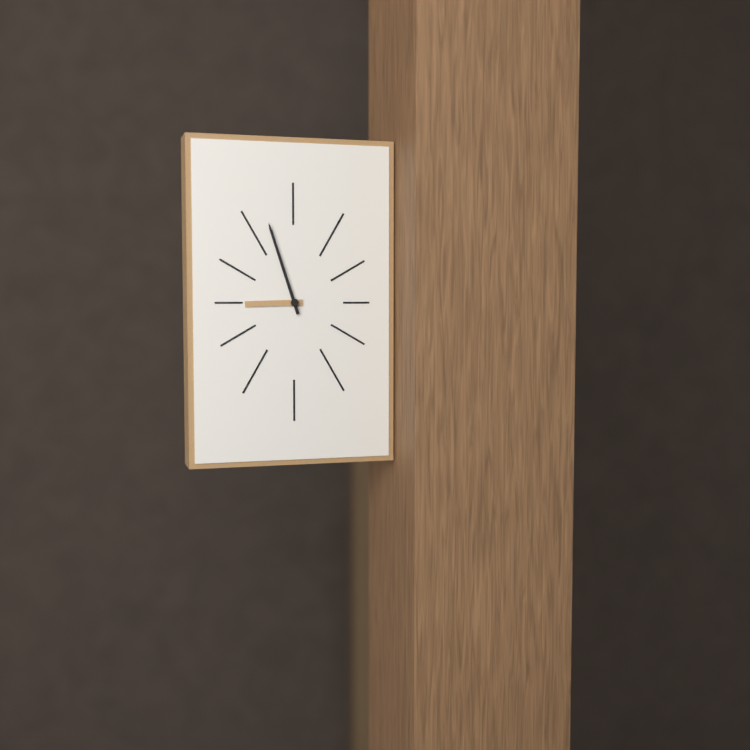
8.57
